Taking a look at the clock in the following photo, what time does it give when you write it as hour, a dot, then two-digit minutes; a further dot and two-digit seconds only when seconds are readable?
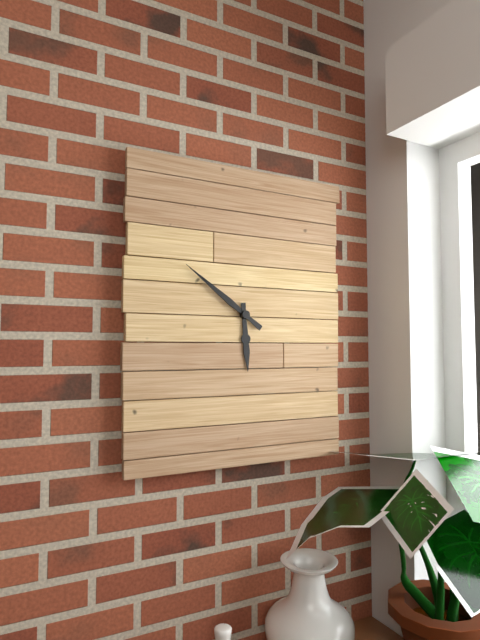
5.51
